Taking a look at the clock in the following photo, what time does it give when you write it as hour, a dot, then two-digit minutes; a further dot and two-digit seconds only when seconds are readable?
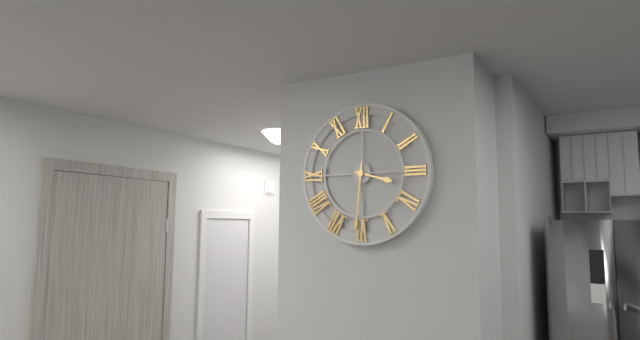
3.31
